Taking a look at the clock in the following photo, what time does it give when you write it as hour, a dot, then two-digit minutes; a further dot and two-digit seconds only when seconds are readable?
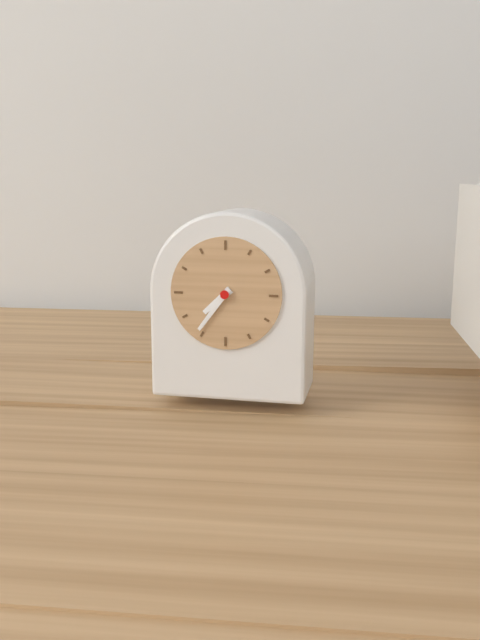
7.36
